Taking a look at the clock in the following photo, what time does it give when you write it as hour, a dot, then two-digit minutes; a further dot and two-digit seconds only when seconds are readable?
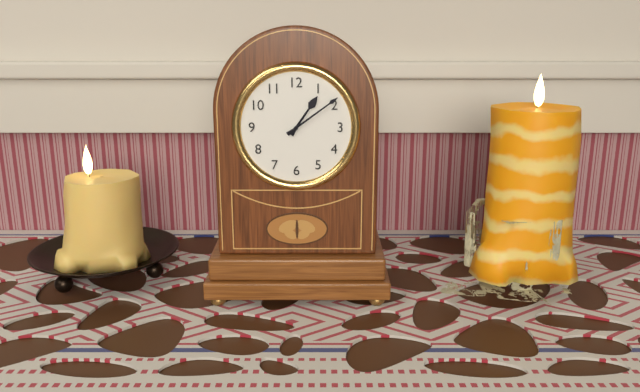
1.09
